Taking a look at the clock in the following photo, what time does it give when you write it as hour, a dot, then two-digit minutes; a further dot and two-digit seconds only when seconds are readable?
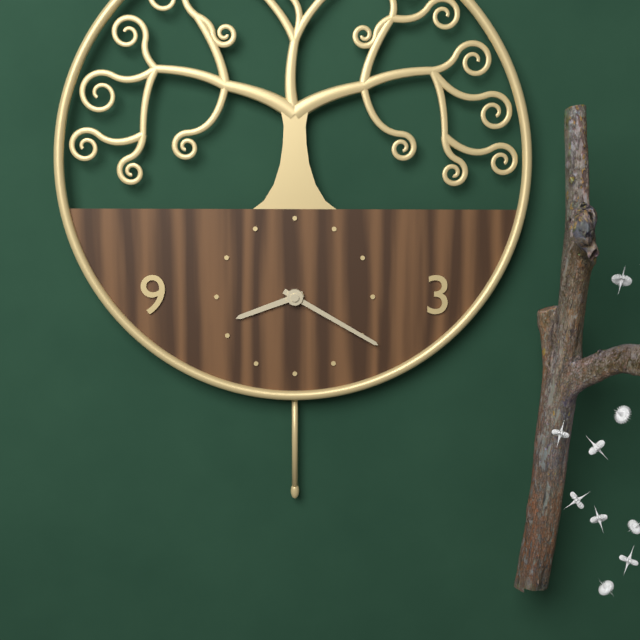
8.20
